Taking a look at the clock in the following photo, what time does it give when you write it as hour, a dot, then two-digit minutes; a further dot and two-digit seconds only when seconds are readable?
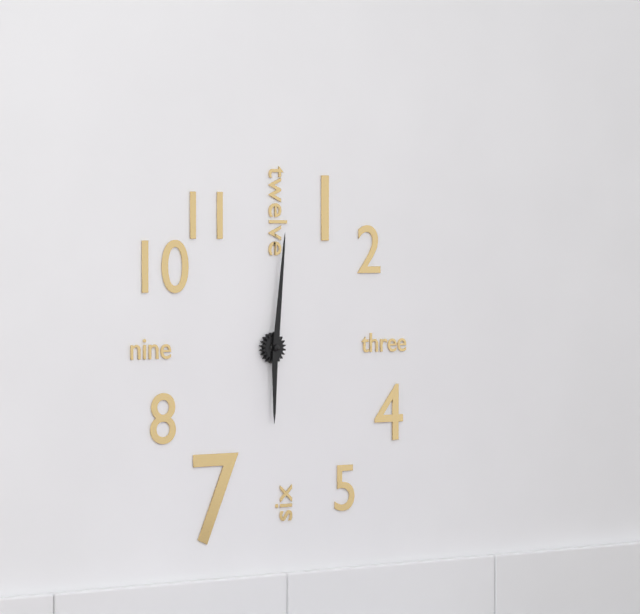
6.01
